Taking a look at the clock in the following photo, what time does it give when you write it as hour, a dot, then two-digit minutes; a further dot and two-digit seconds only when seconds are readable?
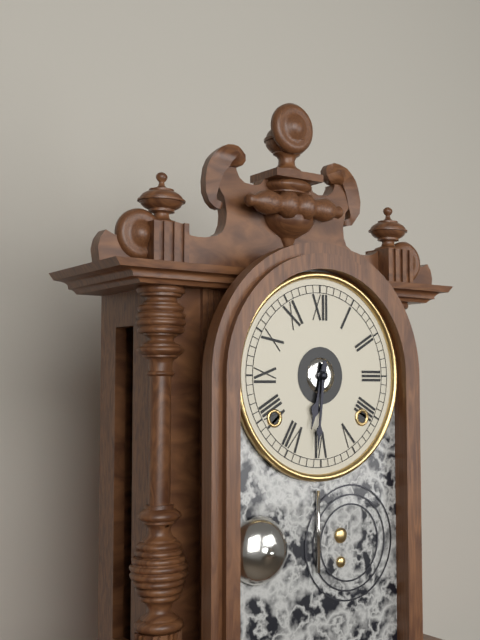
6.31
